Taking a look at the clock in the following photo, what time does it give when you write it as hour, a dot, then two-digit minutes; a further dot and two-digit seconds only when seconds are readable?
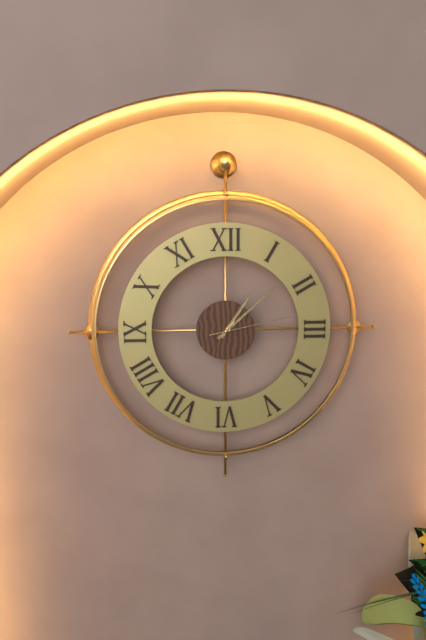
1.08.13
